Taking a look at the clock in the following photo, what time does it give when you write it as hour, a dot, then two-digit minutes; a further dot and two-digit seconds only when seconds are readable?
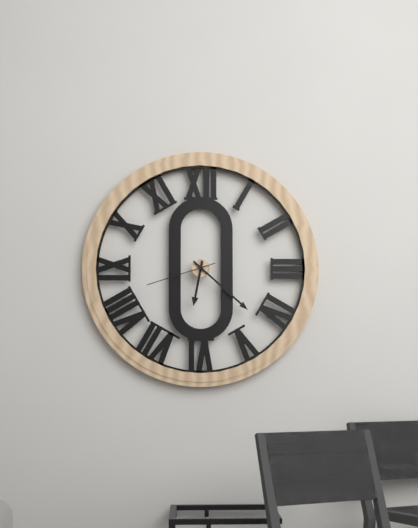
6.22.42
